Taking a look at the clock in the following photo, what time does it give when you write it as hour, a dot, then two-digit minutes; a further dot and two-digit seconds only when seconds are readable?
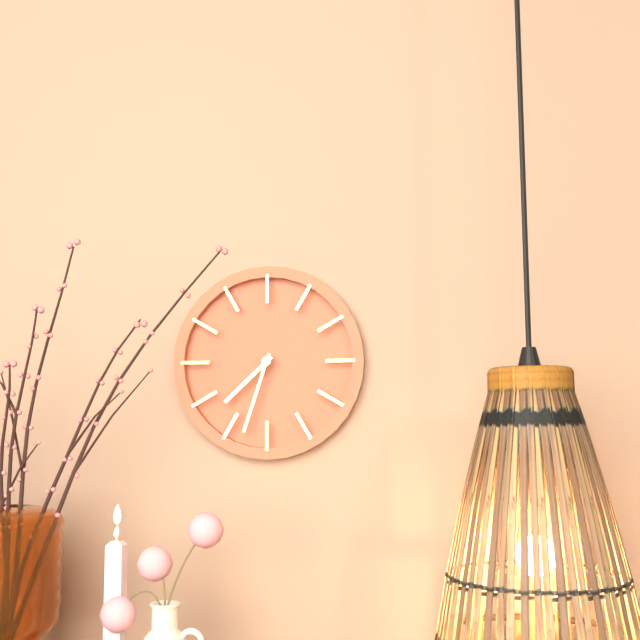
7.33
